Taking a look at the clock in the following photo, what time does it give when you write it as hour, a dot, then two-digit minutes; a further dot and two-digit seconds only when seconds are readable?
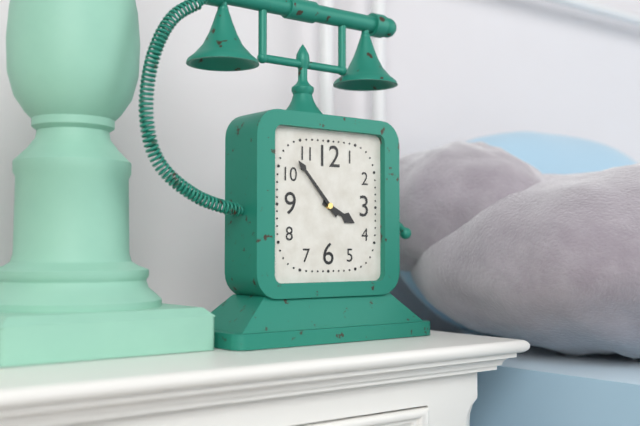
3.53
